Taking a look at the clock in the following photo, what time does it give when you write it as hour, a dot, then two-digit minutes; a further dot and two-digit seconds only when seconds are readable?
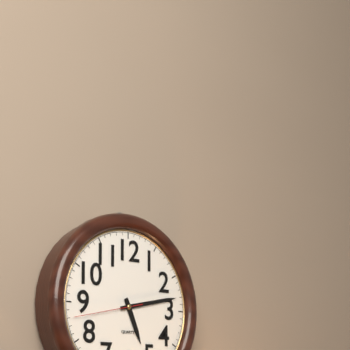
5.13.43
